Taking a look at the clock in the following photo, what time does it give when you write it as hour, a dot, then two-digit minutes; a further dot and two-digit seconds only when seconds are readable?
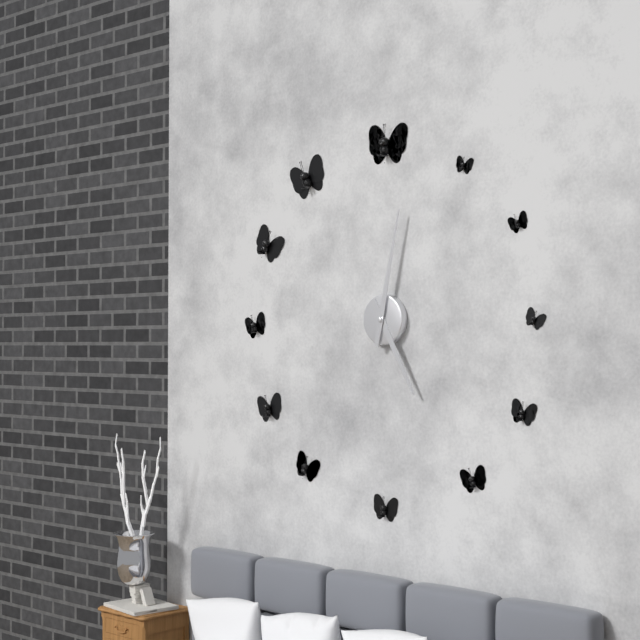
5.02
